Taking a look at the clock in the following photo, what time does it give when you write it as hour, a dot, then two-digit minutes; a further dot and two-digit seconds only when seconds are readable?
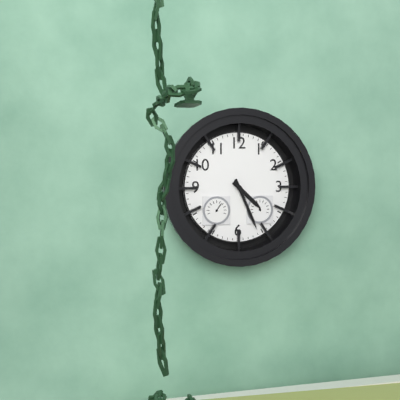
4.26
